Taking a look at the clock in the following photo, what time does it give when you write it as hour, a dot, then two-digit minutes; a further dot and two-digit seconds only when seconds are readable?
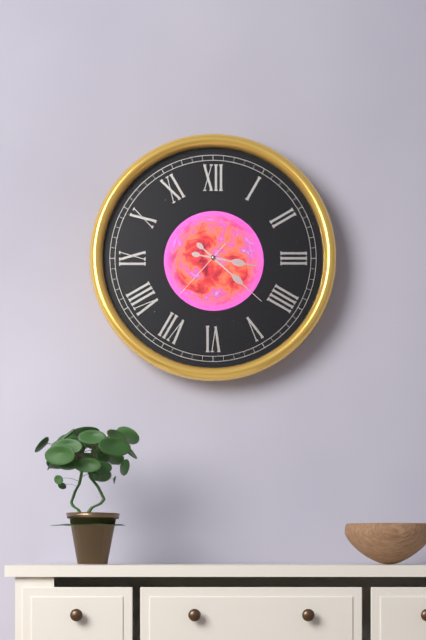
3.22.37
